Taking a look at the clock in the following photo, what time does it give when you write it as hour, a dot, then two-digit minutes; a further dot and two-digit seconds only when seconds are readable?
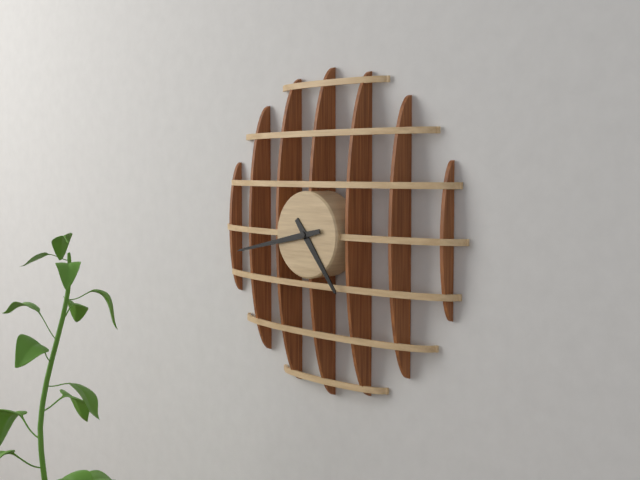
4.43
